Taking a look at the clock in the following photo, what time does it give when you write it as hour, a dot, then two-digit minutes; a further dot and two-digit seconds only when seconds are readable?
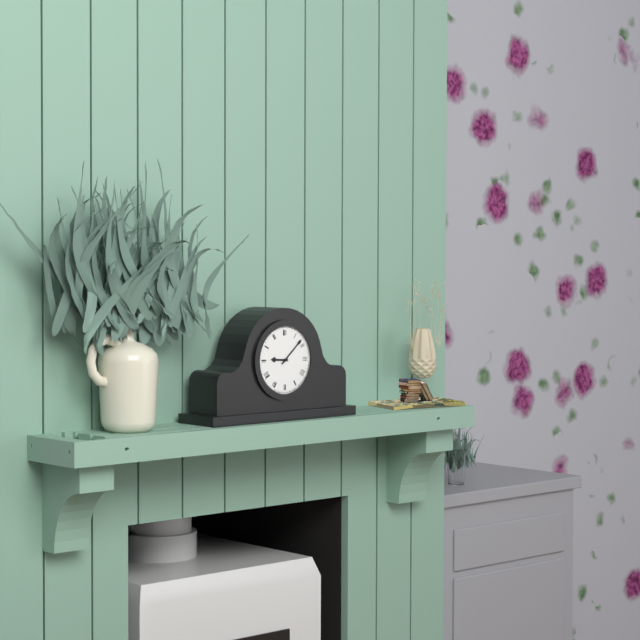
9.08
